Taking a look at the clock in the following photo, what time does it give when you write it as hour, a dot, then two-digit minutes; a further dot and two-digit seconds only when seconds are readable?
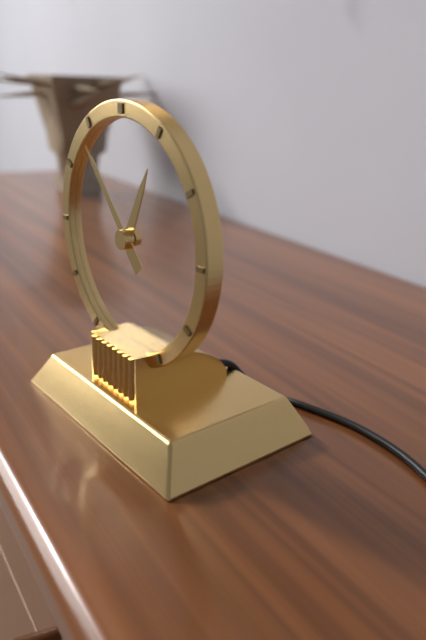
12.53
